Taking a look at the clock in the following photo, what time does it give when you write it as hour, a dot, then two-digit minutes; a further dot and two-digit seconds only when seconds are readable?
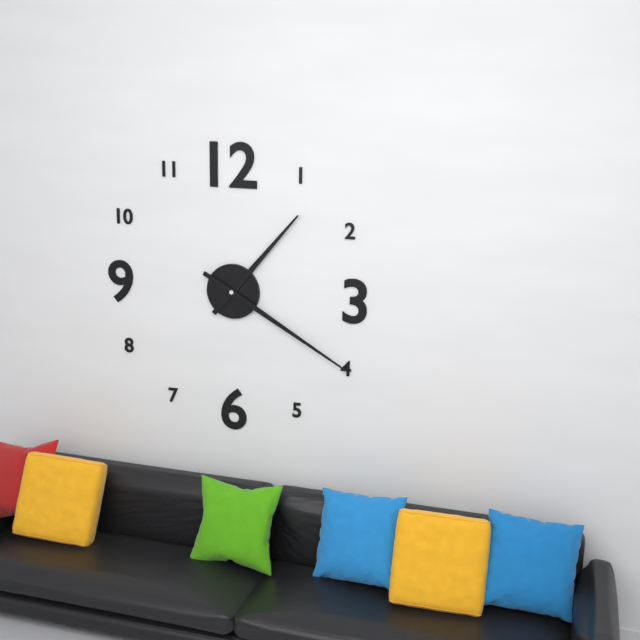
1.20
